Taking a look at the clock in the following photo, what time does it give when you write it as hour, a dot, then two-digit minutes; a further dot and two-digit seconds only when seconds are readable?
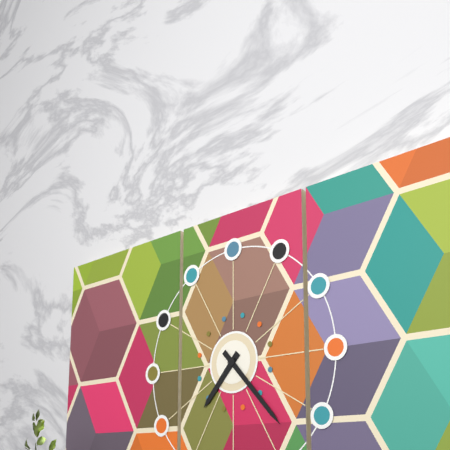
7.23
